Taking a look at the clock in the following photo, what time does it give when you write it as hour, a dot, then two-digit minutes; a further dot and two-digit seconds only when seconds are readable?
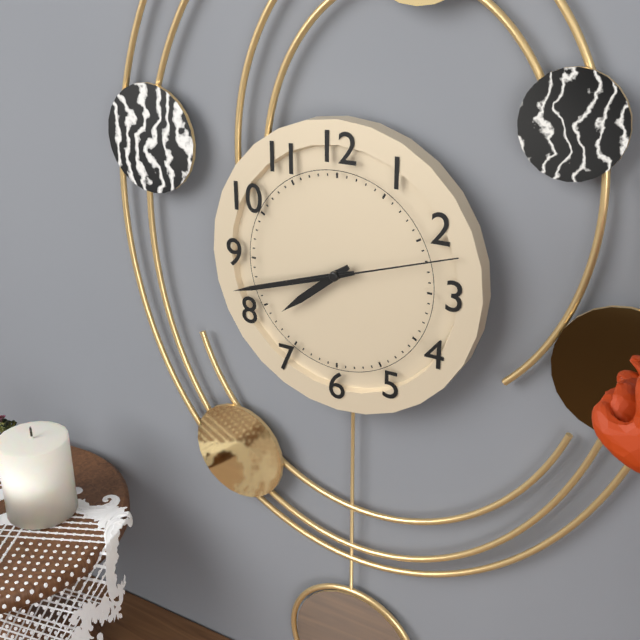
7.42.12
